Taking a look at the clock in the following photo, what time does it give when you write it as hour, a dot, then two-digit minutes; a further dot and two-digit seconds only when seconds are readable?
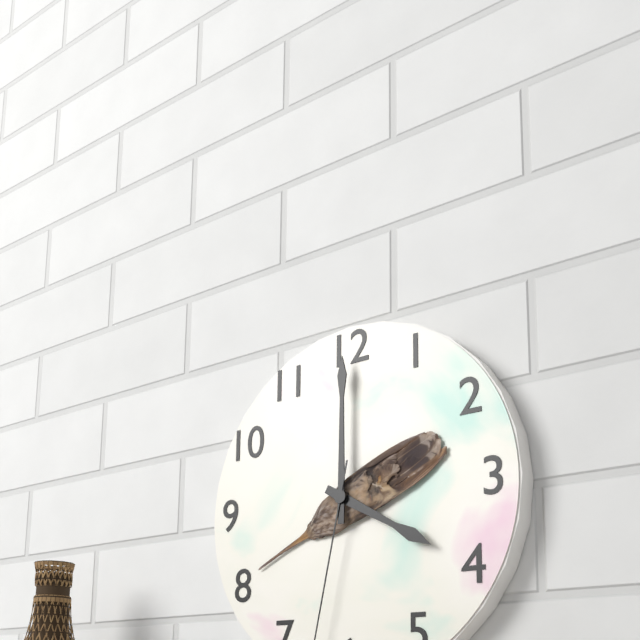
4.00
